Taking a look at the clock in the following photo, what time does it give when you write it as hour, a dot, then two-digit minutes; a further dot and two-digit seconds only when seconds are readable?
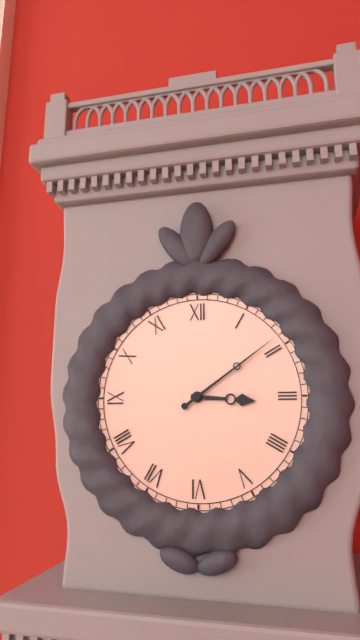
3.09
